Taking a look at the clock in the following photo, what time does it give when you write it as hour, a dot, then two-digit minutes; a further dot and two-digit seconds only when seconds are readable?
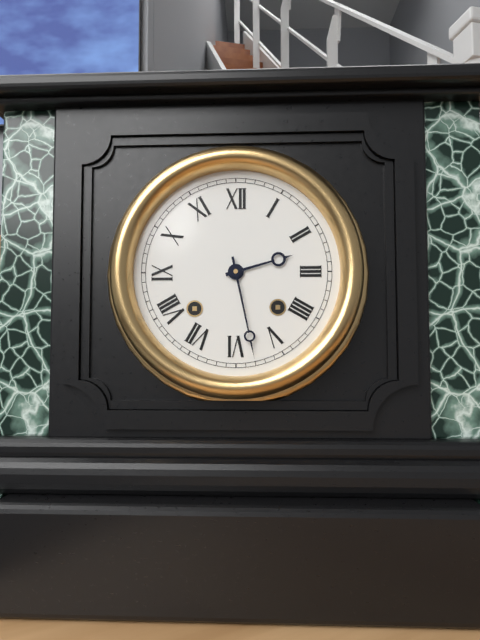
2.28
